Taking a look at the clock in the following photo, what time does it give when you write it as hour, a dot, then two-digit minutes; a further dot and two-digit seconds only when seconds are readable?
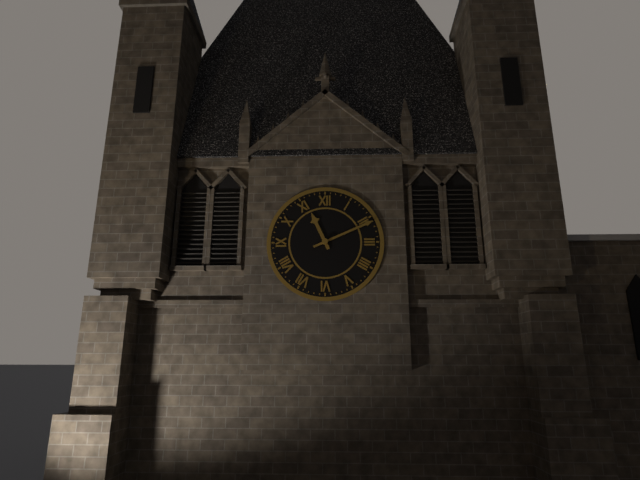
11.11
